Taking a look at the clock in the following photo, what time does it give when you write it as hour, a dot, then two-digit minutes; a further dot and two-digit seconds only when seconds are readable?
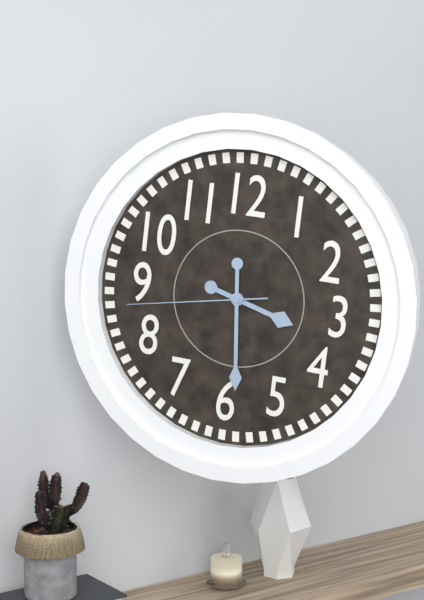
3.29.43
